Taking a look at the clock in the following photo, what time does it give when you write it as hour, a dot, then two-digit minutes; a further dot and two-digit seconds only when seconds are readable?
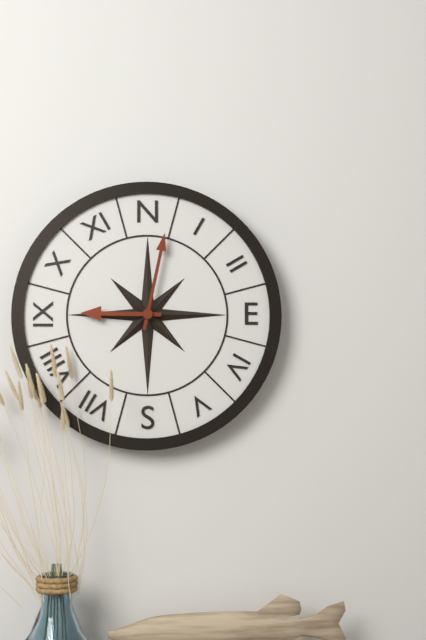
9.02
